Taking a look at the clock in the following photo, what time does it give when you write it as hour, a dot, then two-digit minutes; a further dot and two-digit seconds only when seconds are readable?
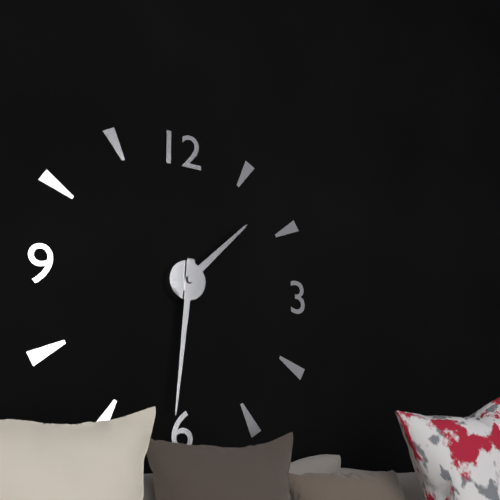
1.31
